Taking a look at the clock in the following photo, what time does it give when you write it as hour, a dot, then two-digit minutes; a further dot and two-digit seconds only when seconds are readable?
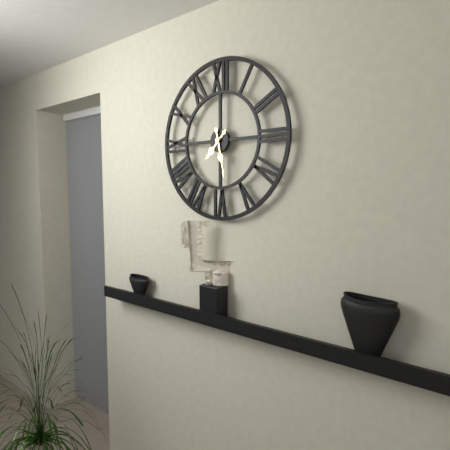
7.28
